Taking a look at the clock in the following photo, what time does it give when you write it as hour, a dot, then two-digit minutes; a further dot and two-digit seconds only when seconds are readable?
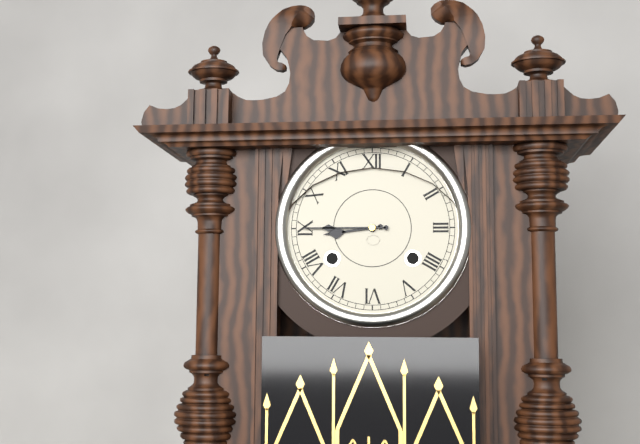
8.45
